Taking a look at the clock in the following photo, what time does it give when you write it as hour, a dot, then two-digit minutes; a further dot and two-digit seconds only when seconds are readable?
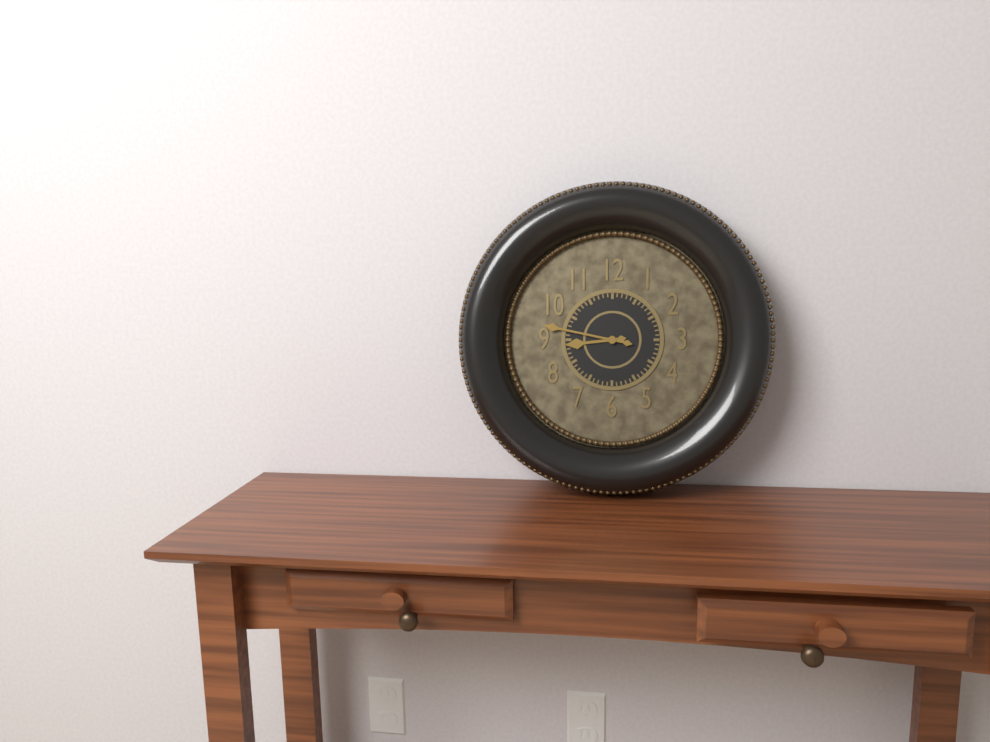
8.47
